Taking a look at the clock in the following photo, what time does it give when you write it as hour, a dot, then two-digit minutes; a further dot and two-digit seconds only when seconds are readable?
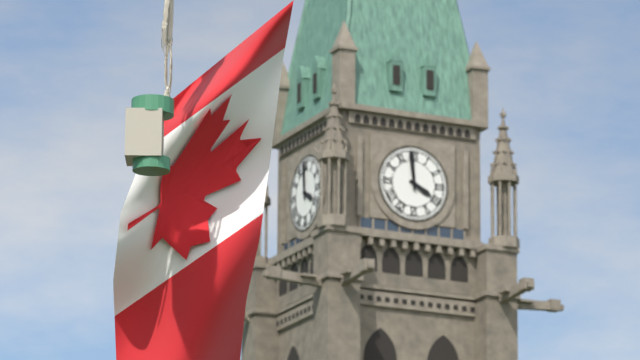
3.59
